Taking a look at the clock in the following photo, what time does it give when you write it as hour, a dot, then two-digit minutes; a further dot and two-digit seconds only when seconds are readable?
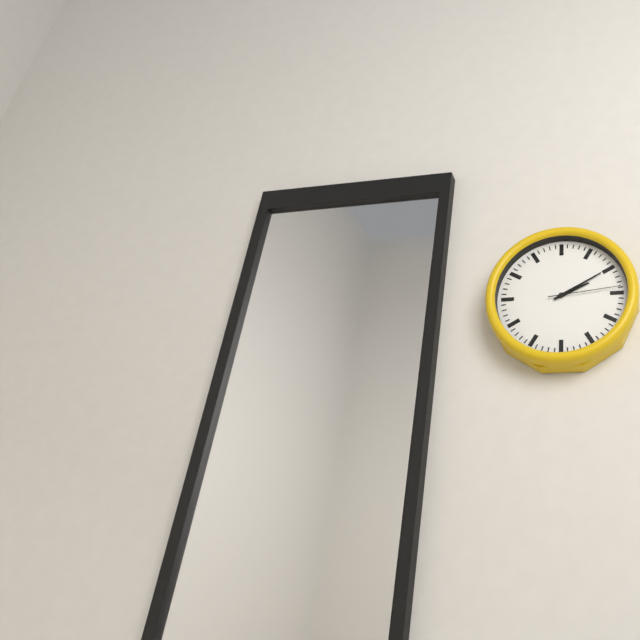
2.10.14
